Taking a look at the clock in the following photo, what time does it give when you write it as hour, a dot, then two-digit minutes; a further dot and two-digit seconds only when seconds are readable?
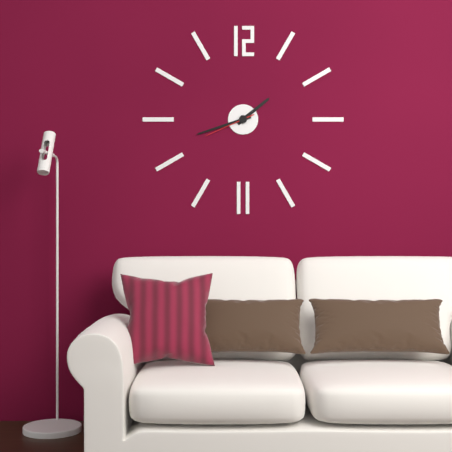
1.42.41
